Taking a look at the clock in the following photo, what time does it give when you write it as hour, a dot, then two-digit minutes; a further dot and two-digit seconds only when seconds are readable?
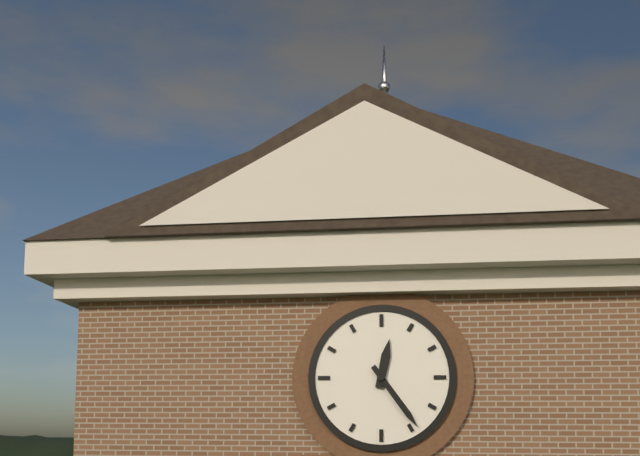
12.24
